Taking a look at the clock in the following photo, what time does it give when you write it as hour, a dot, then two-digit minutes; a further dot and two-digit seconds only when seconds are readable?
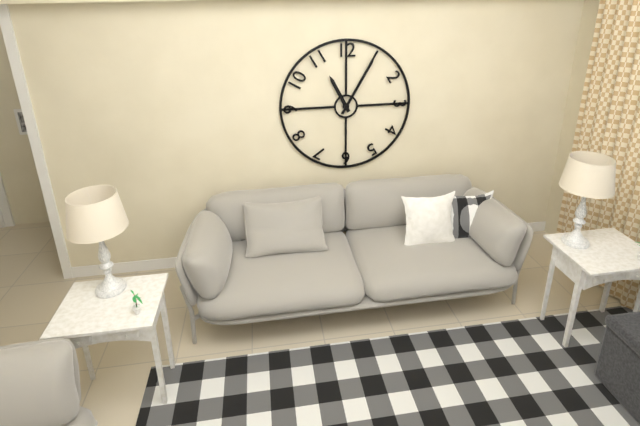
11.05
